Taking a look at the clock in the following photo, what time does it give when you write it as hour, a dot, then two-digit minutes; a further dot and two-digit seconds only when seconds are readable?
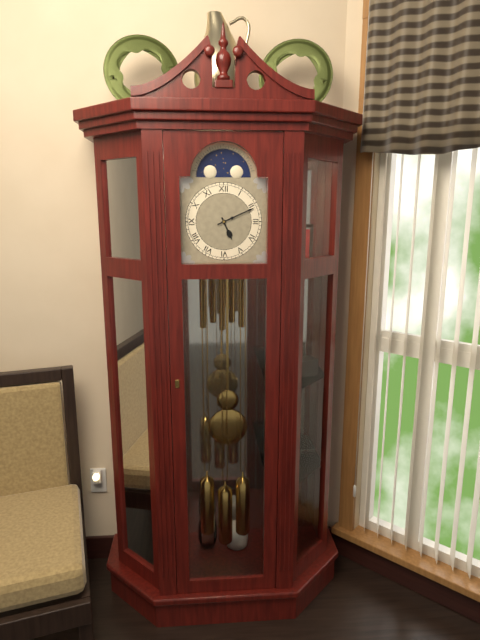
5.11
